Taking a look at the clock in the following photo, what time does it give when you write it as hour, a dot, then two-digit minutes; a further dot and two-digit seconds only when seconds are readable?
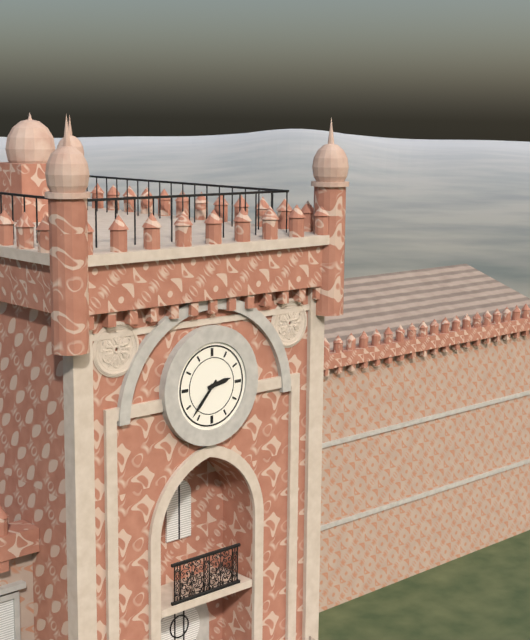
2.37
